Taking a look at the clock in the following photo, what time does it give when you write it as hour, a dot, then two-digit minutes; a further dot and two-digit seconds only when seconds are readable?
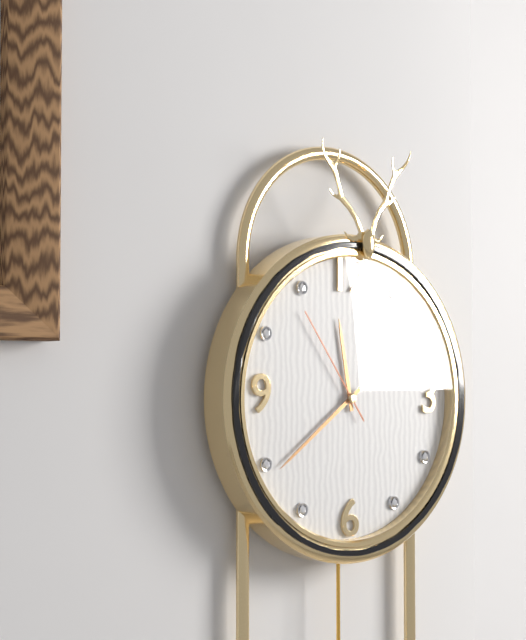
11.39.54
